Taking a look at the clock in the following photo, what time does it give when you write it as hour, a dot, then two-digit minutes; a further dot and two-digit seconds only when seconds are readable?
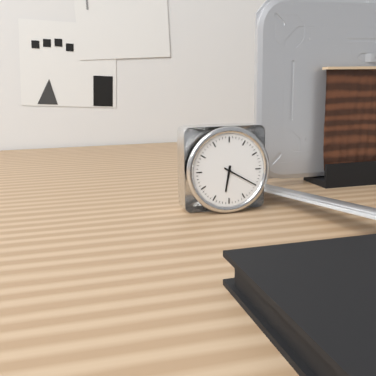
6.20
